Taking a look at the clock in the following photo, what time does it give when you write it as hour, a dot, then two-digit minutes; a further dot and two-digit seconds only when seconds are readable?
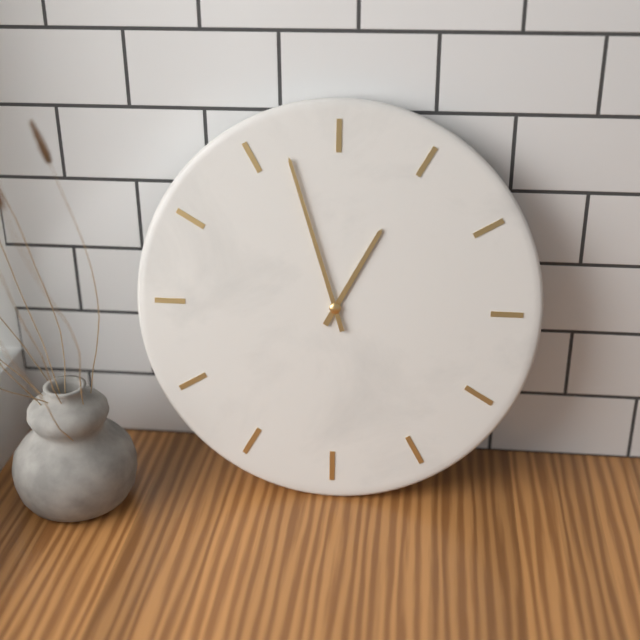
12.57
